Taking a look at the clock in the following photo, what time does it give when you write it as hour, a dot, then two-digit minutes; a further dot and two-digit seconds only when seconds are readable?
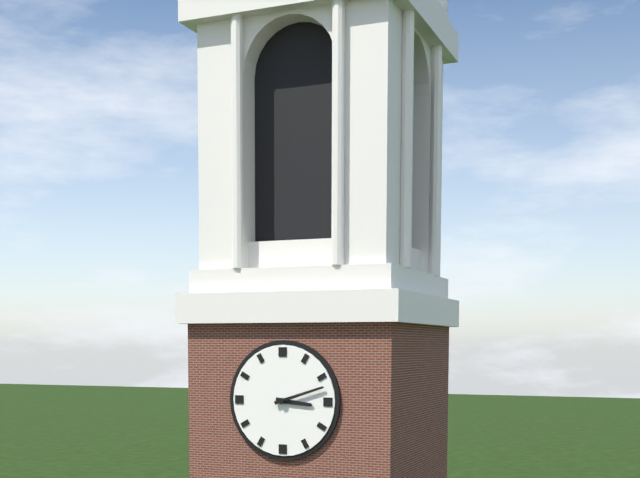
3.12
